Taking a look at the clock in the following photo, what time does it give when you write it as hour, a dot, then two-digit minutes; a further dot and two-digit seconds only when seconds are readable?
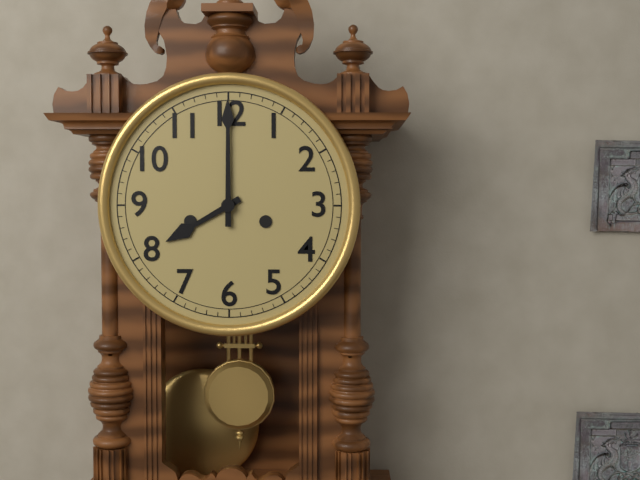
8.00
